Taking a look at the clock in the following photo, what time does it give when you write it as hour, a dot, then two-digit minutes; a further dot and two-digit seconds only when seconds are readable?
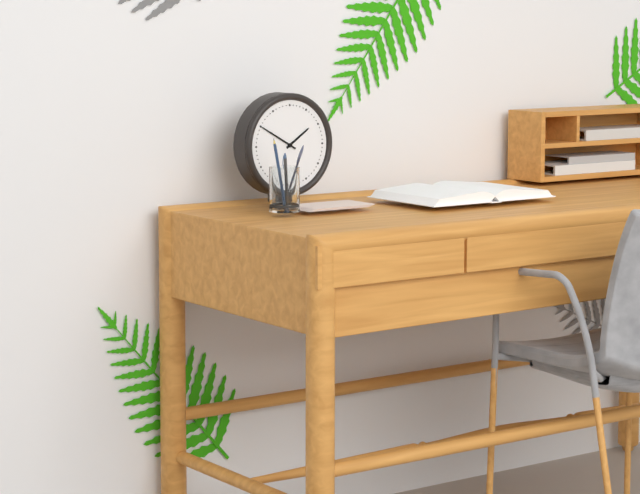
1.50
